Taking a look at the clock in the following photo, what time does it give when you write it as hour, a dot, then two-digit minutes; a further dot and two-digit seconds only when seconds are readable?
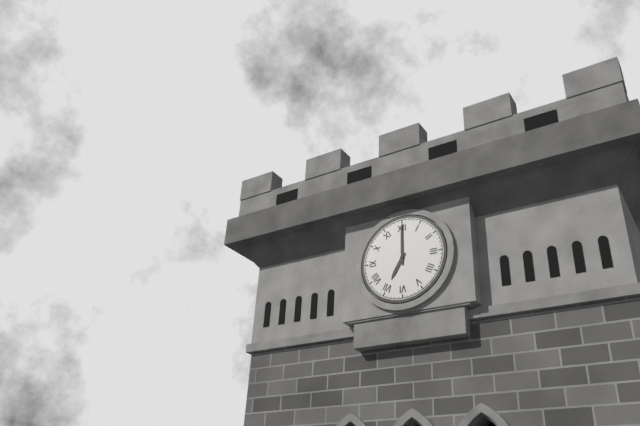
7.00
